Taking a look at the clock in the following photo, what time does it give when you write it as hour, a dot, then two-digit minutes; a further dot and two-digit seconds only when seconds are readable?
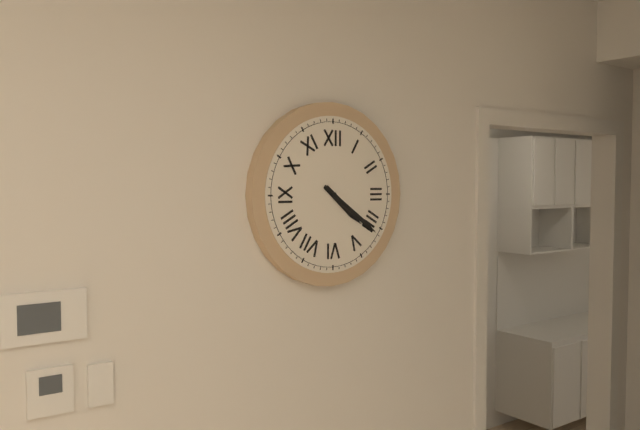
4.21
